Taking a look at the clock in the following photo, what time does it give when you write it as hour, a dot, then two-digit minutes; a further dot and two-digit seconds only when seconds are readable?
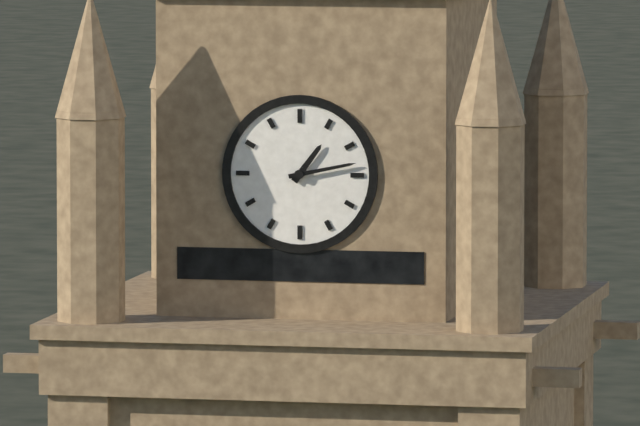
1.13
